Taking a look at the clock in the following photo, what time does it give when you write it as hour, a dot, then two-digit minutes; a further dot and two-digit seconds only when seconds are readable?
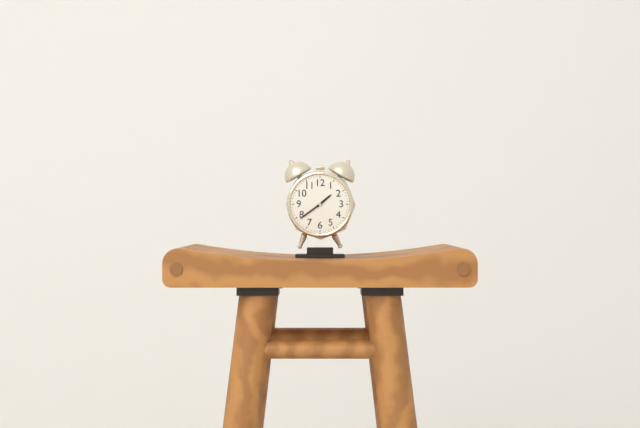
1.39
